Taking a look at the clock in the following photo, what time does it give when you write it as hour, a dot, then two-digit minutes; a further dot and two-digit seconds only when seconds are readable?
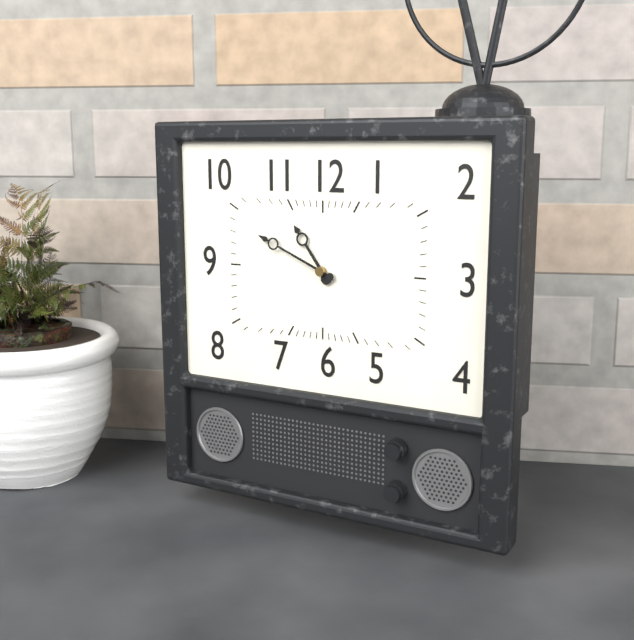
10.49
